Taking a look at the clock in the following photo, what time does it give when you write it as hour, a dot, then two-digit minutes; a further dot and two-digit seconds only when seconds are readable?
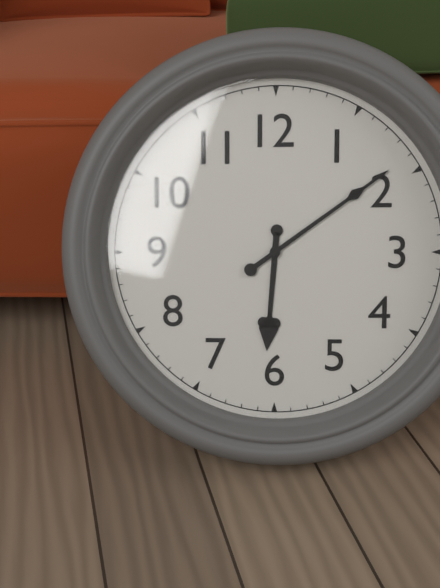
6.09
